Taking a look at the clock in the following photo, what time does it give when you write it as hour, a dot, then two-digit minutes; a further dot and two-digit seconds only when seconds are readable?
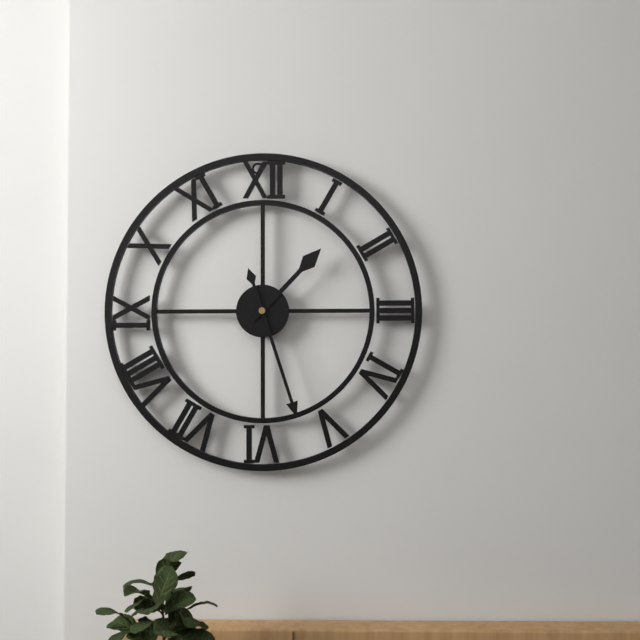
1.27
